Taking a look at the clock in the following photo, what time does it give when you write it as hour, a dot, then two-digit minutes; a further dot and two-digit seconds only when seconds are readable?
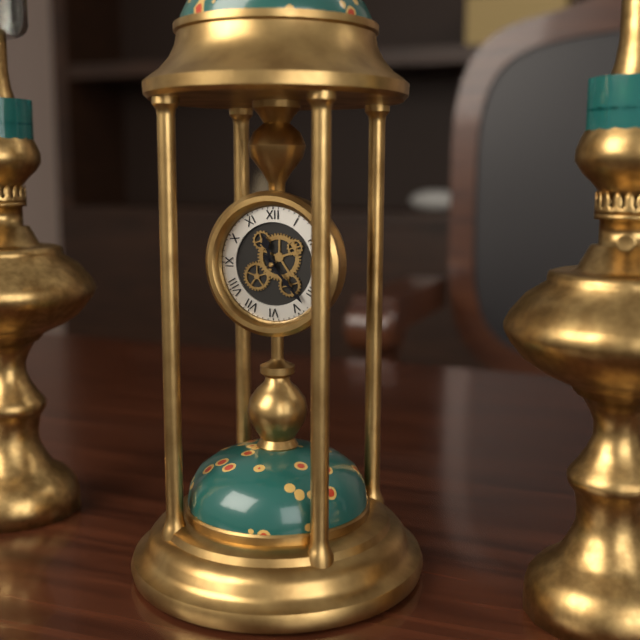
11.23
